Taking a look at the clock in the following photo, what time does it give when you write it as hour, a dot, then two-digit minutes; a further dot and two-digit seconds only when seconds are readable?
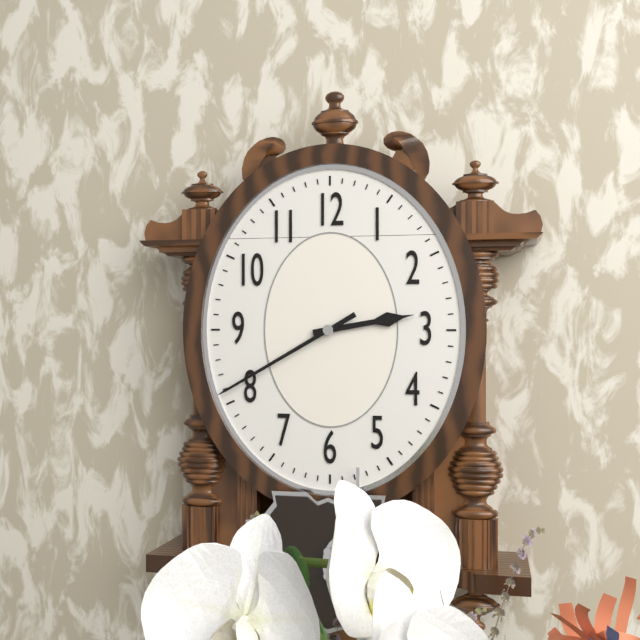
2.40
